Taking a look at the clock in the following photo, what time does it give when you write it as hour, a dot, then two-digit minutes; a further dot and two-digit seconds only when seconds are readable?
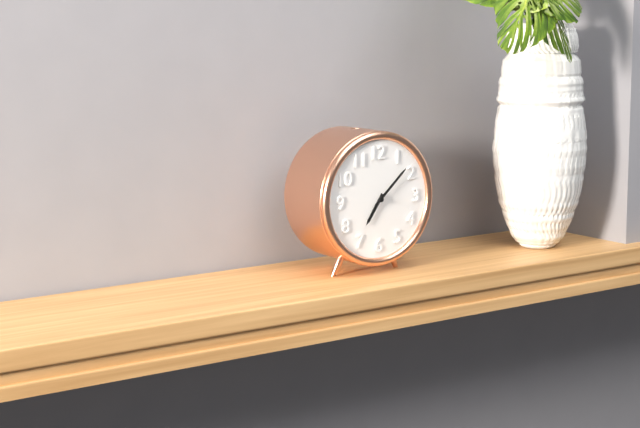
7.08
